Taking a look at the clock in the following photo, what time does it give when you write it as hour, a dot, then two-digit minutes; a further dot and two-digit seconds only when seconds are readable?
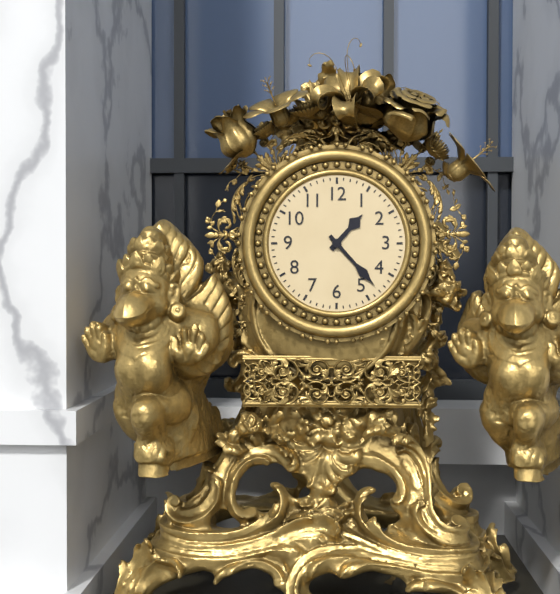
1.23
